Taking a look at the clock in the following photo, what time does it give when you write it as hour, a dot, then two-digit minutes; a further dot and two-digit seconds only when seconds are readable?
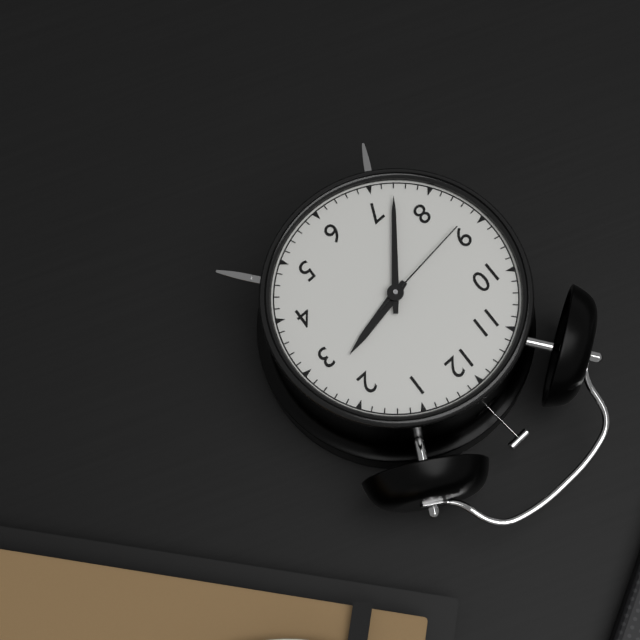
2.37.44
